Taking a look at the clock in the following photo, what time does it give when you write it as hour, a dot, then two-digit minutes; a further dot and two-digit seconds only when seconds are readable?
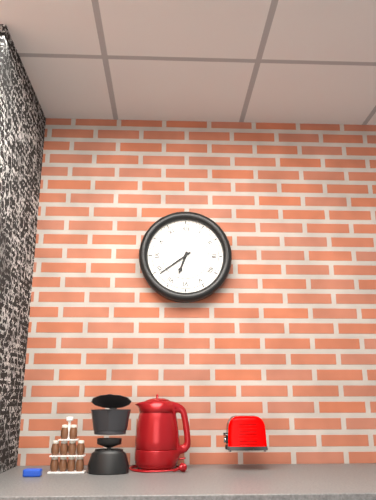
6.39
